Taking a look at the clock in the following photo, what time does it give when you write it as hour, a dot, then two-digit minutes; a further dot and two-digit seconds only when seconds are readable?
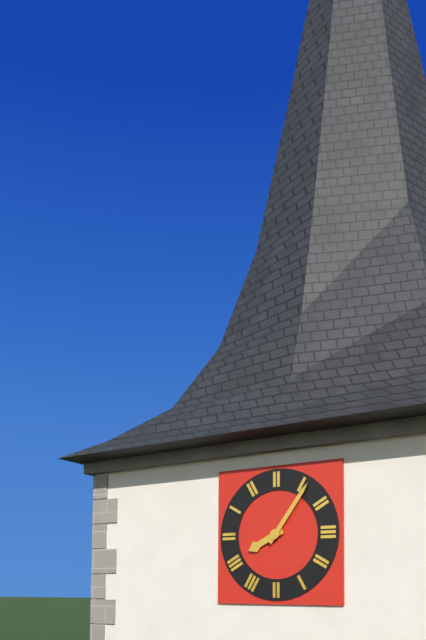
8.06
